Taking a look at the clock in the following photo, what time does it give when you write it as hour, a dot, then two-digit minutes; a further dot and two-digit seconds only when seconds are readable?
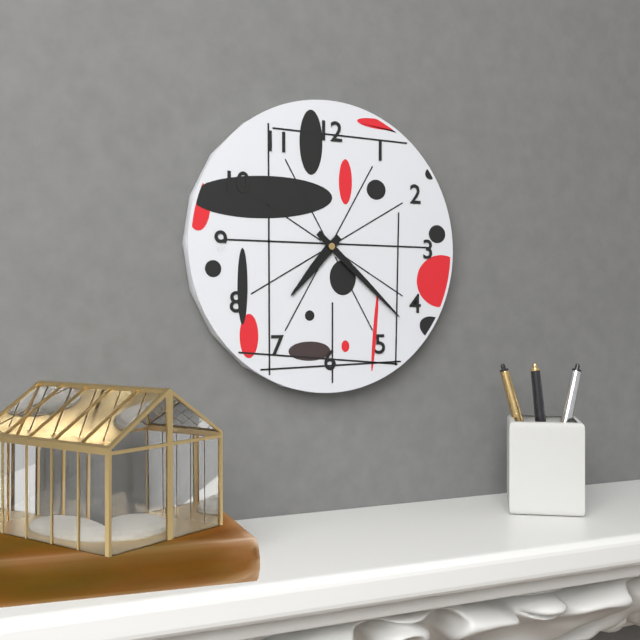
7.22
